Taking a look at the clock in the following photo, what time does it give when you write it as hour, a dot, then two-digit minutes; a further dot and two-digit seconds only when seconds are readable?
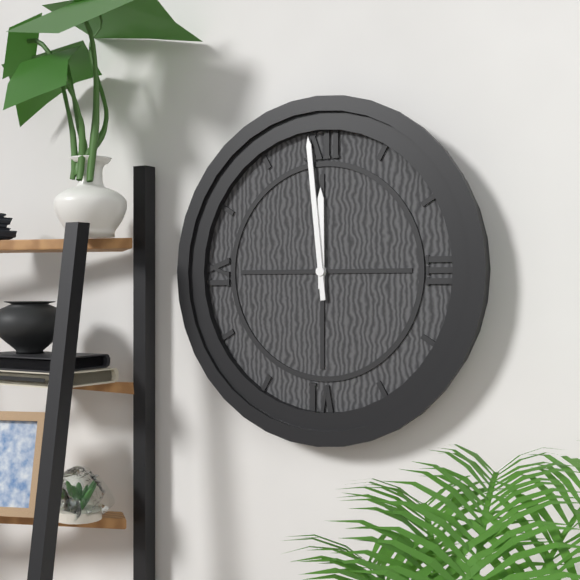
11.59
